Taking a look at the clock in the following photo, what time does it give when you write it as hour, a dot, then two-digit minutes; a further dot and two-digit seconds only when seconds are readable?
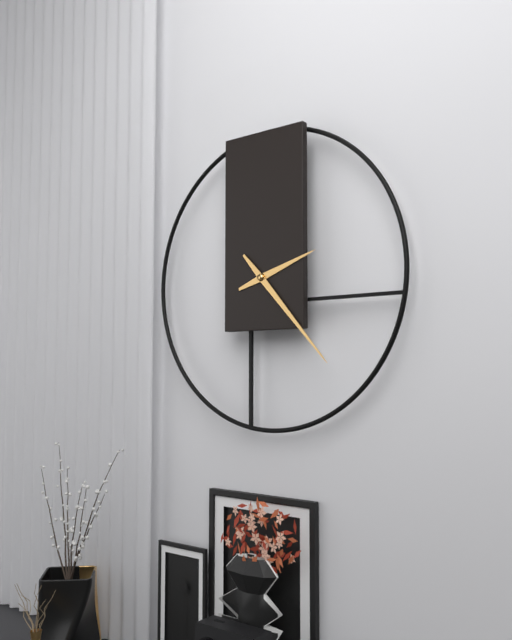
2.23
